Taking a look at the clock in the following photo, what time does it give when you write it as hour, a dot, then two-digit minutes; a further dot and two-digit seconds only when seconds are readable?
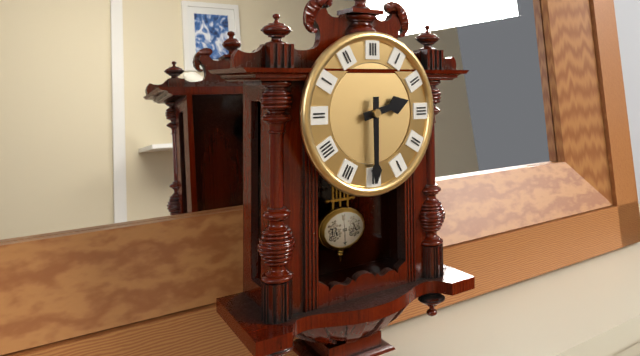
2.30
